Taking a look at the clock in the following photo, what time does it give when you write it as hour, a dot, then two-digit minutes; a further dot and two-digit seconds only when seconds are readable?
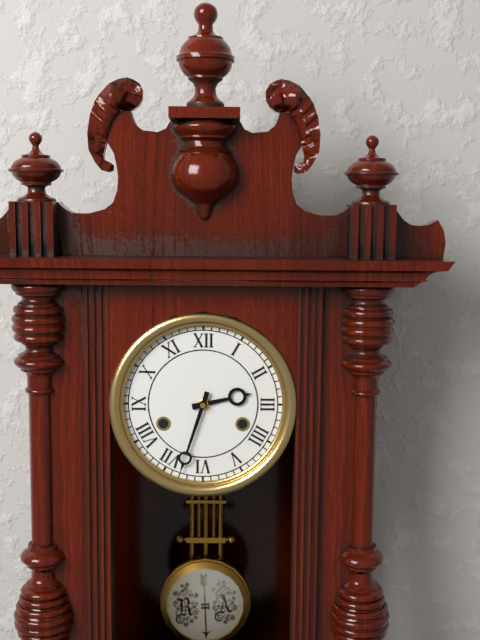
2.33
